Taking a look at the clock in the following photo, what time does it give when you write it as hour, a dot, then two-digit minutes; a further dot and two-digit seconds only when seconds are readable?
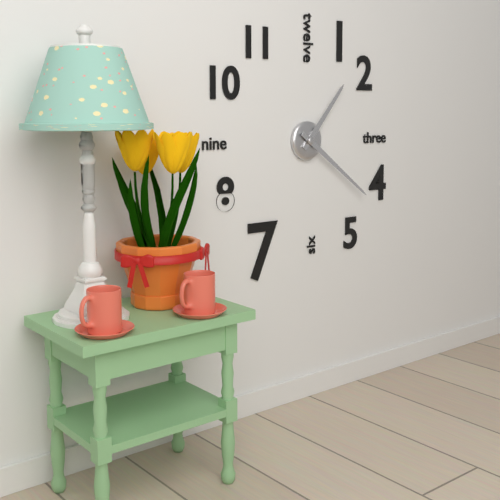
1.21
